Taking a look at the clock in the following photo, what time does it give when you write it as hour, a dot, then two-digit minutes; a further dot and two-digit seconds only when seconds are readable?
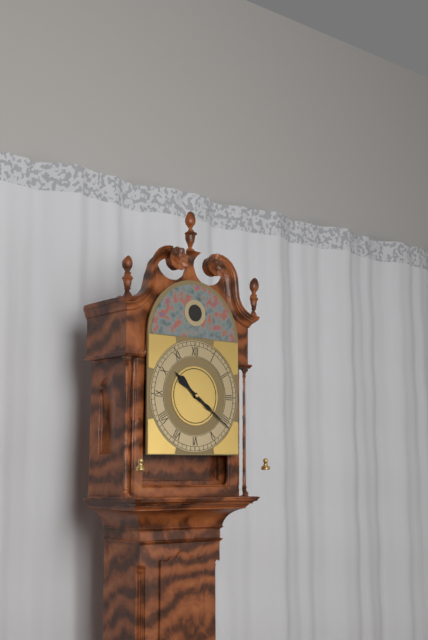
10.21
